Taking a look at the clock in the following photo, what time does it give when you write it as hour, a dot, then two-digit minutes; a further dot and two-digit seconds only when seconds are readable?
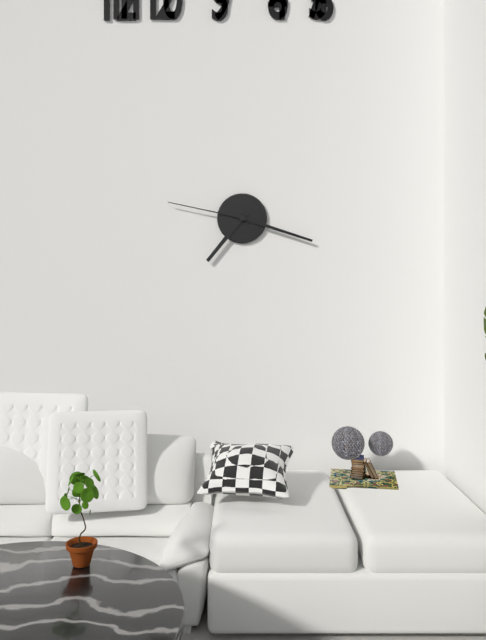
7.18.47
